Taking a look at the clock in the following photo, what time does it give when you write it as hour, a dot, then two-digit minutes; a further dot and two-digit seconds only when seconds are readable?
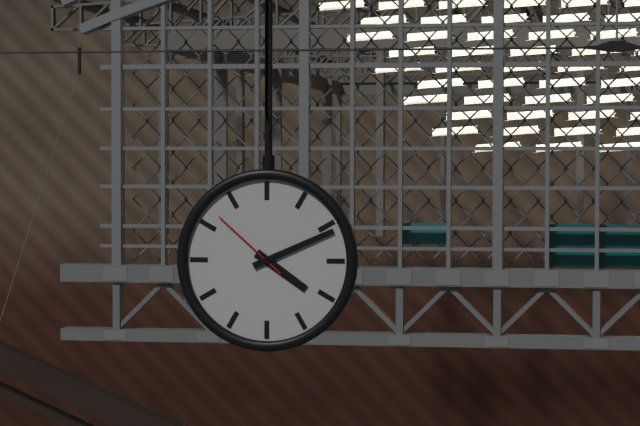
4.11.52
